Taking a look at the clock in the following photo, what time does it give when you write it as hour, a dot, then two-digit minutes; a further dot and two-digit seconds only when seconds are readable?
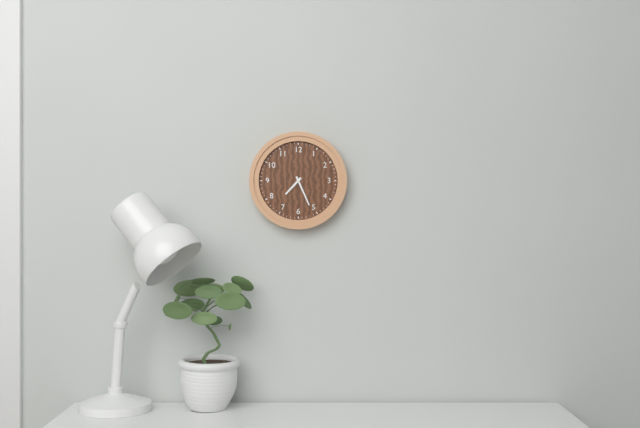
7.26
